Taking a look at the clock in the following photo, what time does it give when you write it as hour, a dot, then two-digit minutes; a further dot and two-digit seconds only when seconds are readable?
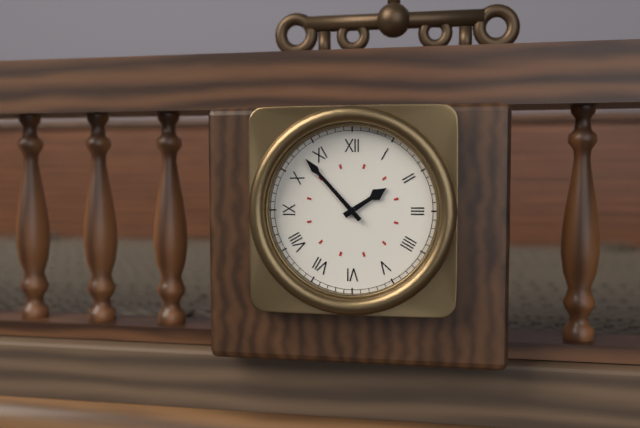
1.53
